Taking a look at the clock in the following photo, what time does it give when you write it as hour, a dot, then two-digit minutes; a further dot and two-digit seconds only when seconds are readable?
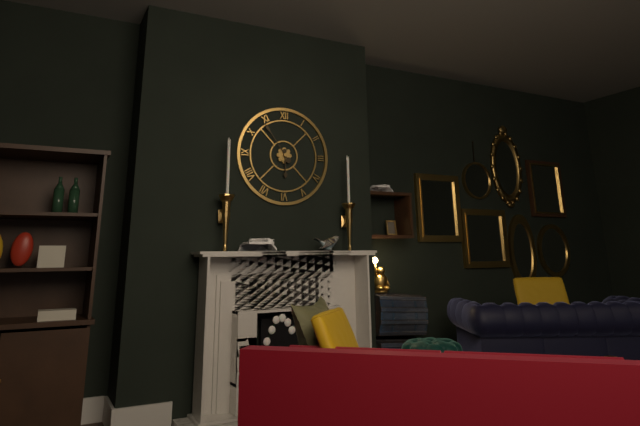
5.54
